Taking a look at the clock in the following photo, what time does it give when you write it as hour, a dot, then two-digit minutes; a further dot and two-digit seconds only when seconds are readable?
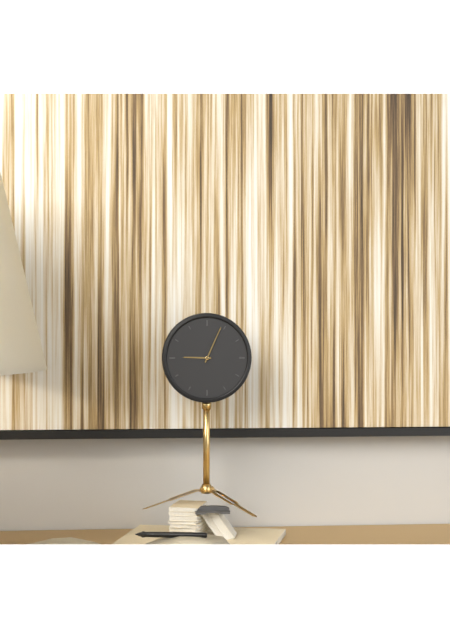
9.04
